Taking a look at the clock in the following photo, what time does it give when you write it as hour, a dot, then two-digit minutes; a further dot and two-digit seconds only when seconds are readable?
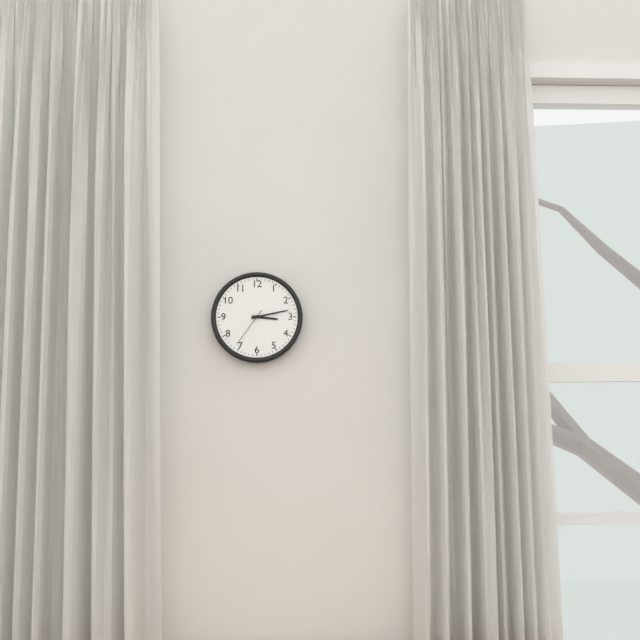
3.13
